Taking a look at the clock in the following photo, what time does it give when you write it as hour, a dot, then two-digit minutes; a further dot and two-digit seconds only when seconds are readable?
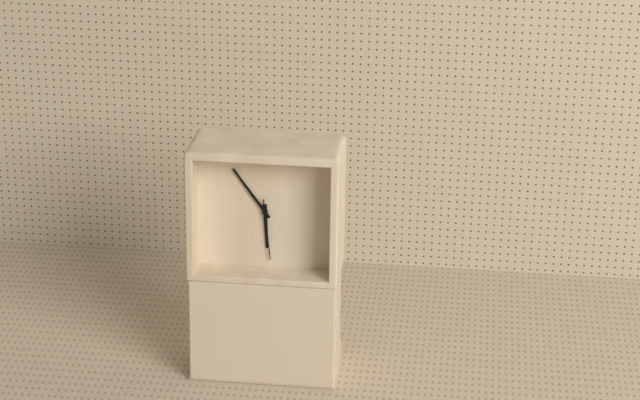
5.54.29
